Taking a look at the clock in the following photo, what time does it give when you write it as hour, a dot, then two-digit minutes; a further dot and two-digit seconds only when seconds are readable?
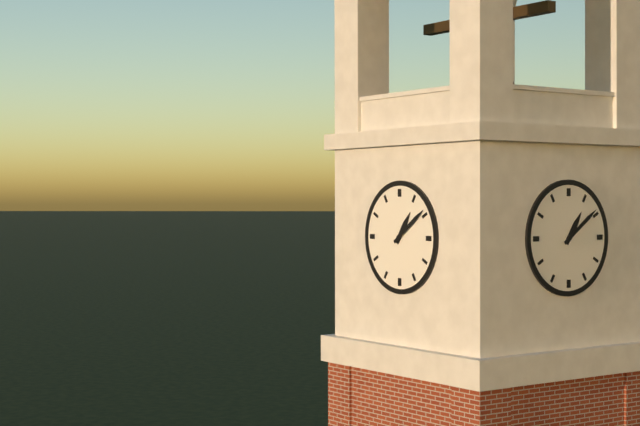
1.09
